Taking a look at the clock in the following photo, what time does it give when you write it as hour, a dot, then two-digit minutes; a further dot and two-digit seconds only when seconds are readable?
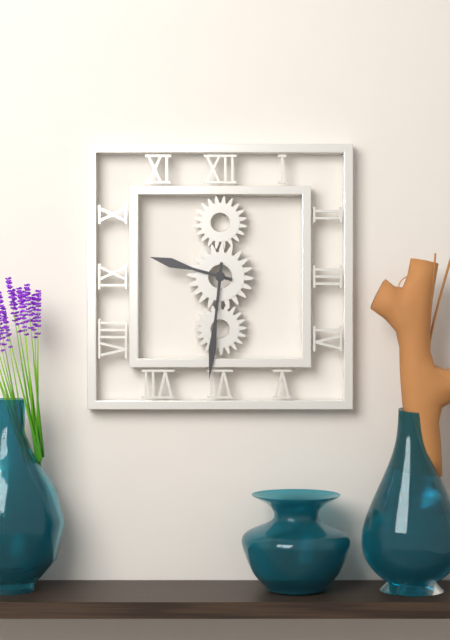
9.31
